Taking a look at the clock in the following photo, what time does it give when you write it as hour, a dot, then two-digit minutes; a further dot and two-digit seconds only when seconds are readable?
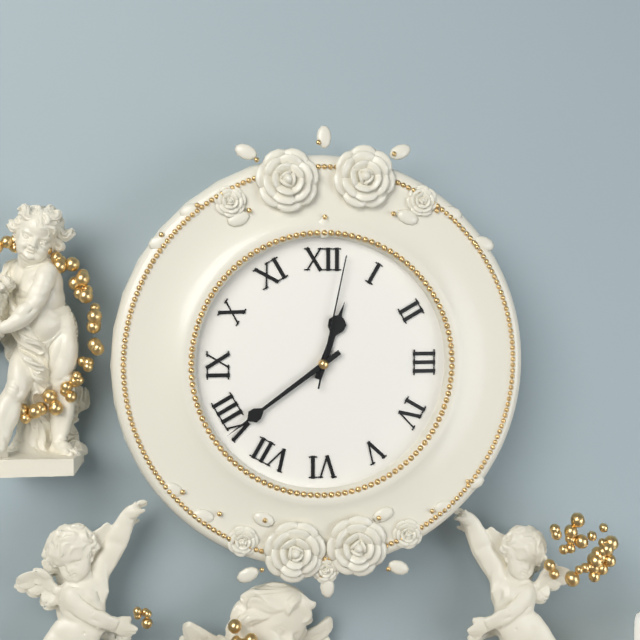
12.39.02
